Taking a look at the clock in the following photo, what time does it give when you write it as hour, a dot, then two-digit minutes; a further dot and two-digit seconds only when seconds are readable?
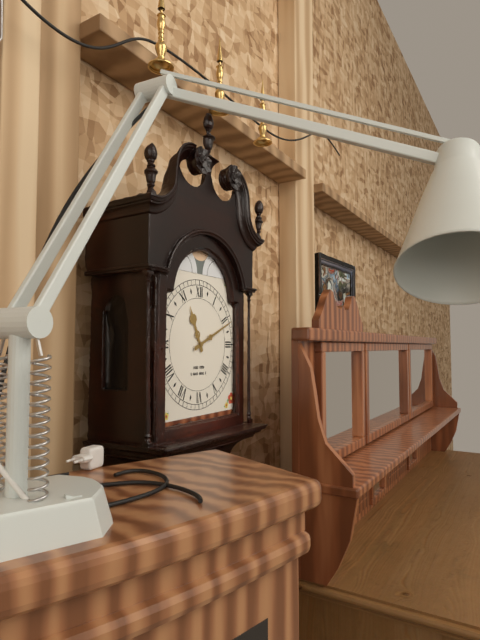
11.11
